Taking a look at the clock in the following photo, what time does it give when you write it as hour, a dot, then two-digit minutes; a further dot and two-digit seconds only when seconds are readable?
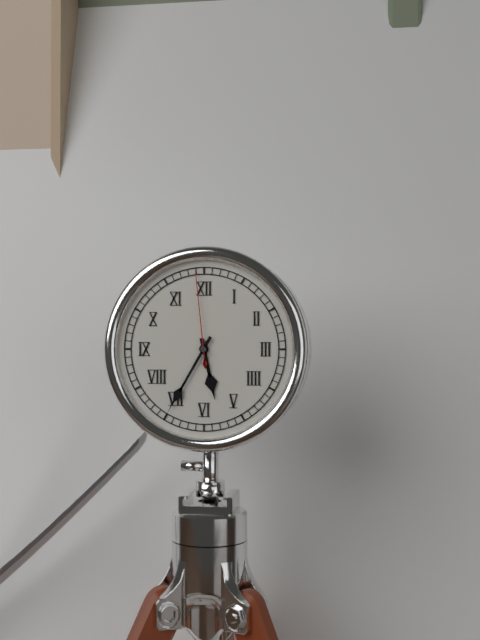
5.35.59
